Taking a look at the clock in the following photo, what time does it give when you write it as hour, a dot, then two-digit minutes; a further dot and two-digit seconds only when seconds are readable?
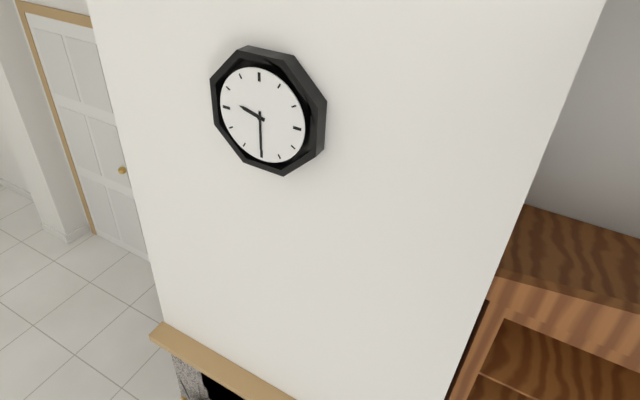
9.30
